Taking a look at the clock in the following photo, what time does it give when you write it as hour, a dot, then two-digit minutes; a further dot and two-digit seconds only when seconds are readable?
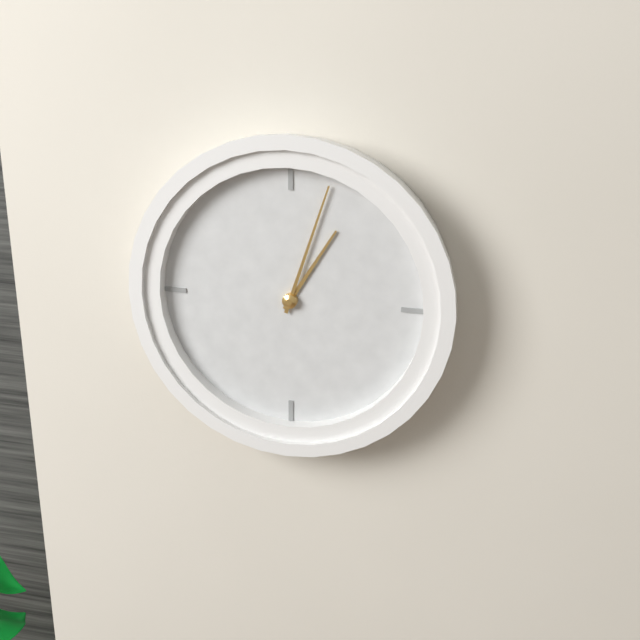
1.03
